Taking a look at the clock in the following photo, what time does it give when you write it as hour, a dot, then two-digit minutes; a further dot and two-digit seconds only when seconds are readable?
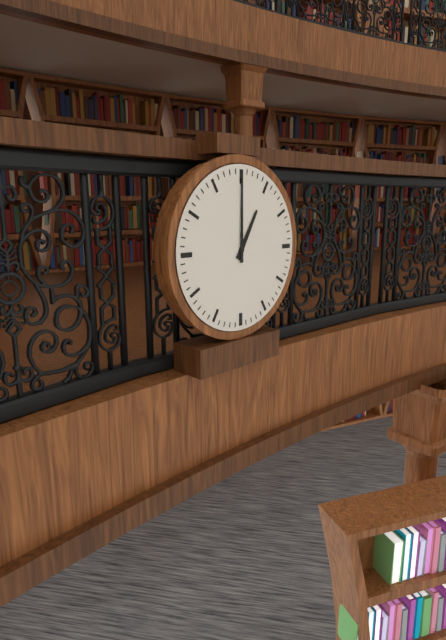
1.00
